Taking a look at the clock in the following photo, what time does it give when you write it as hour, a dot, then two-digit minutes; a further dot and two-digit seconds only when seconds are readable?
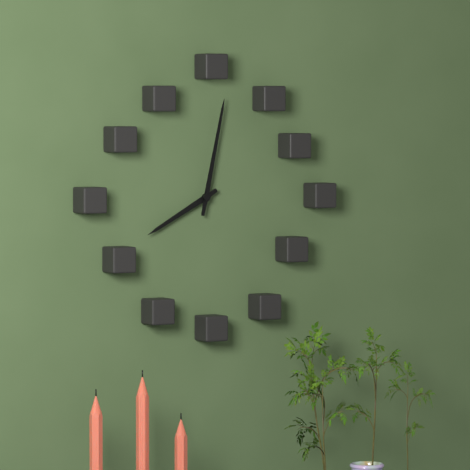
8.02
